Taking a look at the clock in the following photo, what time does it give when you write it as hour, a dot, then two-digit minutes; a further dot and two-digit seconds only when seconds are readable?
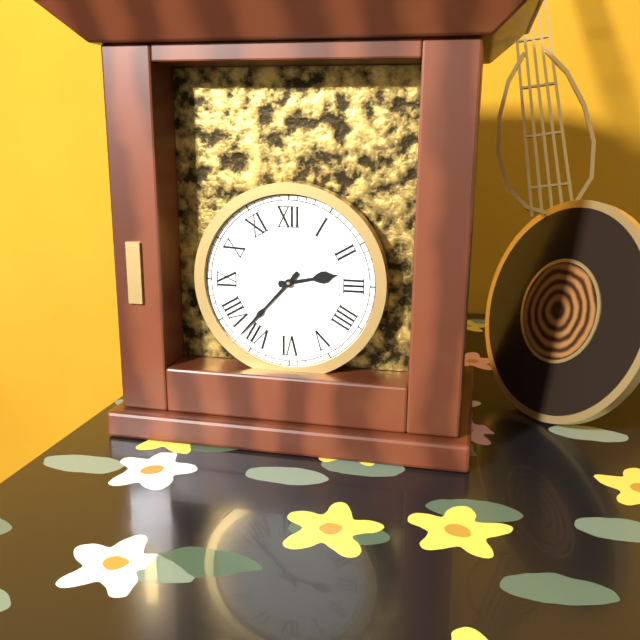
2.37
